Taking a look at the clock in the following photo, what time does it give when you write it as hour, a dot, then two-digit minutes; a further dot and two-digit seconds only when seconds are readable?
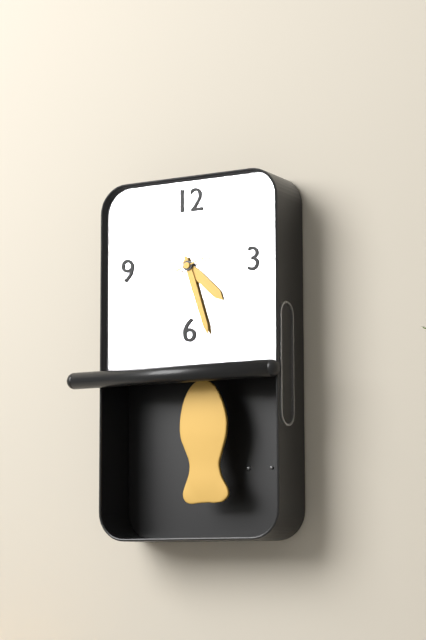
4.27.12
